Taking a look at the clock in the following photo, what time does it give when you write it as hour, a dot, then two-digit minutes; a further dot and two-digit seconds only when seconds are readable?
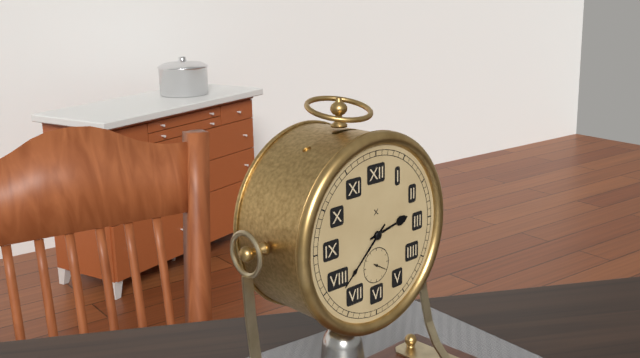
2.38
